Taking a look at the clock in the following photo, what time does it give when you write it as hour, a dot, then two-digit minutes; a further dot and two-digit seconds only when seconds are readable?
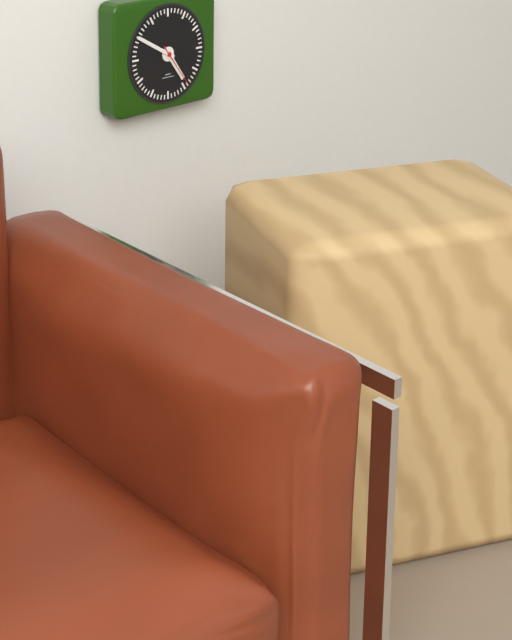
4.50
